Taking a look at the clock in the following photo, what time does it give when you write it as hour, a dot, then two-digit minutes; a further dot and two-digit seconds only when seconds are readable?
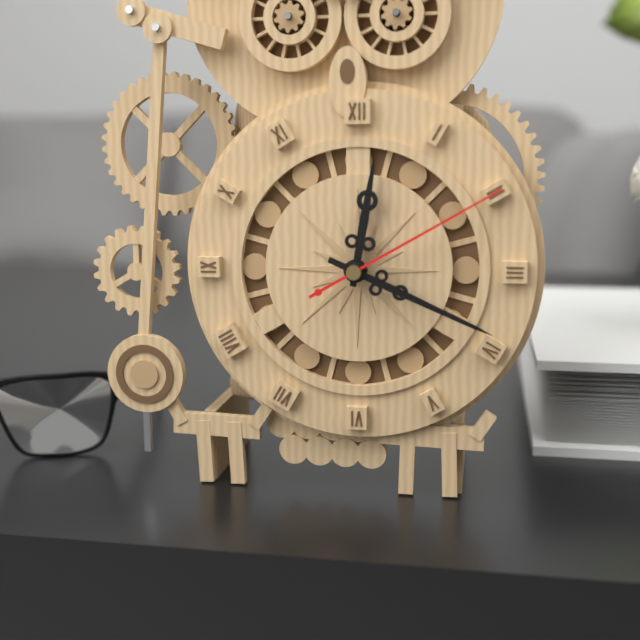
12.19.10
